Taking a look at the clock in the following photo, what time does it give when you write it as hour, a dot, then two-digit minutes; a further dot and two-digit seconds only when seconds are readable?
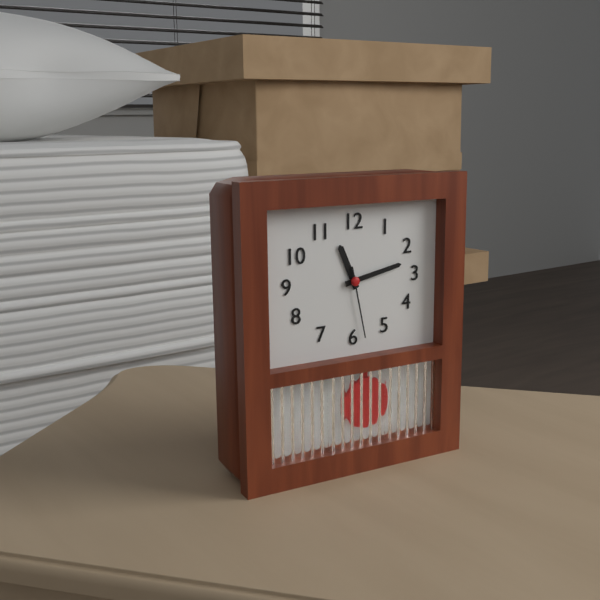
11.13.28
